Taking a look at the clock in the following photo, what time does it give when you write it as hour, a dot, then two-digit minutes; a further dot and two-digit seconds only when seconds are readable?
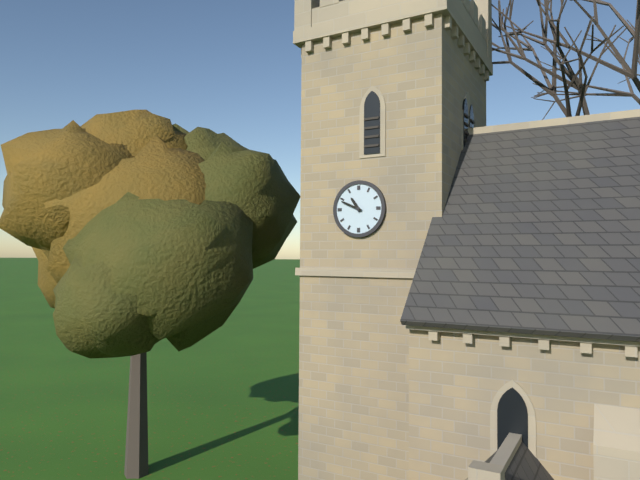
10.49
